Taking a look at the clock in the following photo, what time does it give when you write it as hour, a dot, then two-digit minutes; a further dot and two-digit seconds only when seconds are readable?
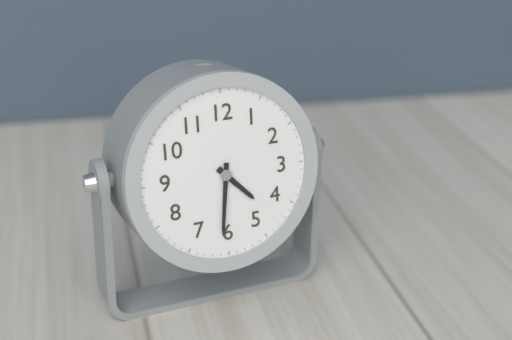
4.31
